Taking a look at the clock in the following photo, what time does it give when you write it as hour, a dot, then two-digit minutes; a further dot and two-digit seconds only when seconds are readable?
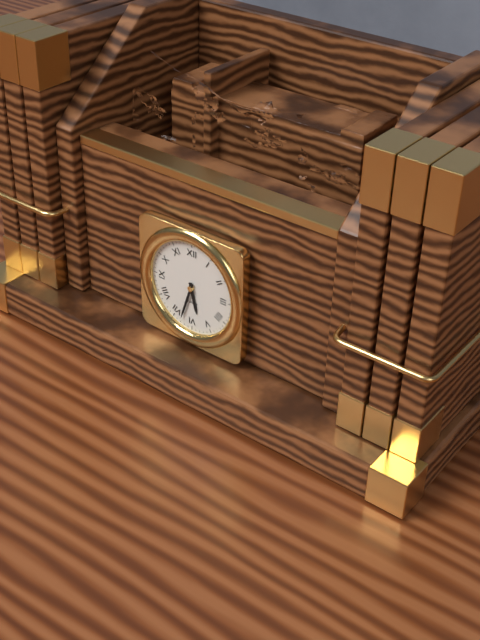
5.33
